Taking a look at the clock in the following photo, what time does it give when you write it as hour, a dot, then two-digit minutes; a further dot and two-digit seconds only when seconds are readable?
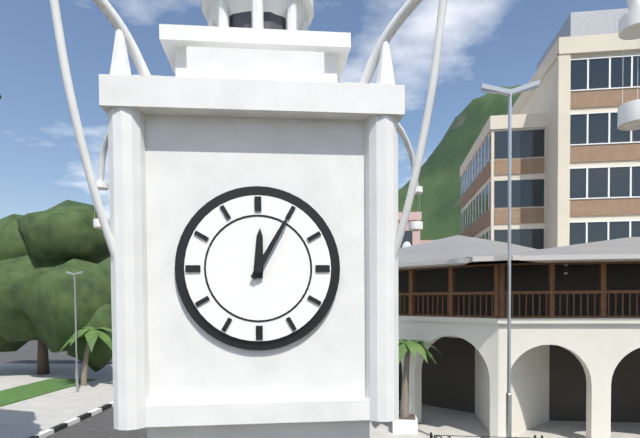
12.05
